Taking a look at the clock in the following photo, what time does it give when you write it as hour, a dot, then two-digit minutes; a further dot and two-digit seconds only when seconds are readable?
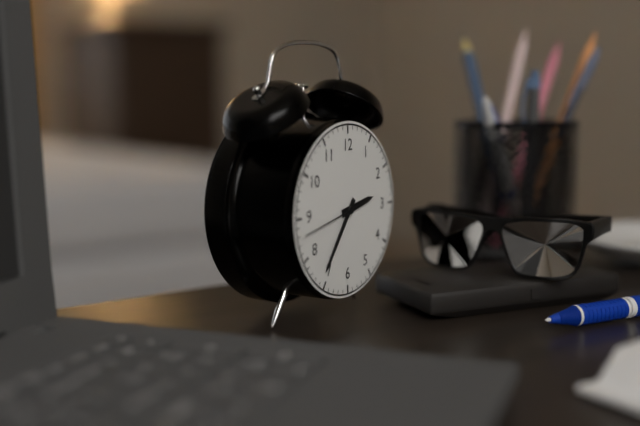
2.36.43
